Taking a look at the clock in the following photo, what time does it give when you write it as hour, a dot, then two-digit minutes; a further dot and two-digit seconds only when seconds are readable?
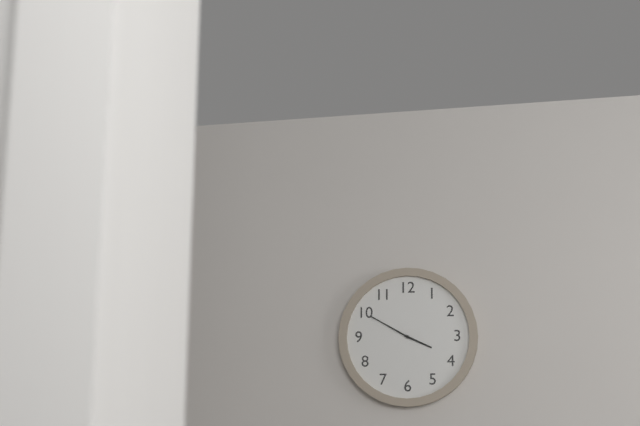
3.50
